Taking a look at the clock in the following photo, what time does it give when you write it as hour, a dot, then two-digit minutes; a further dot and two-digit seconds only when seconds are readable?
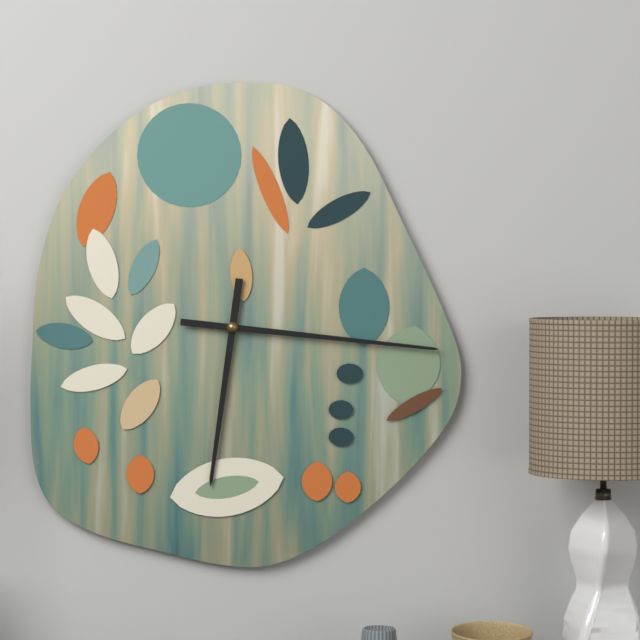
6.16
